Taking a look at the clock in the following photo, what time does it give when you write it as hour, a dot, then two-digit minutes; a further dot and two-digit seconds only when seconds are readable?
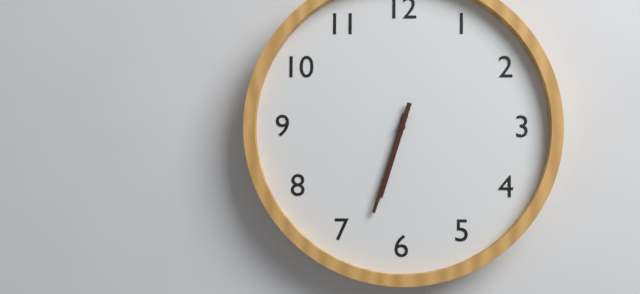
6.33
